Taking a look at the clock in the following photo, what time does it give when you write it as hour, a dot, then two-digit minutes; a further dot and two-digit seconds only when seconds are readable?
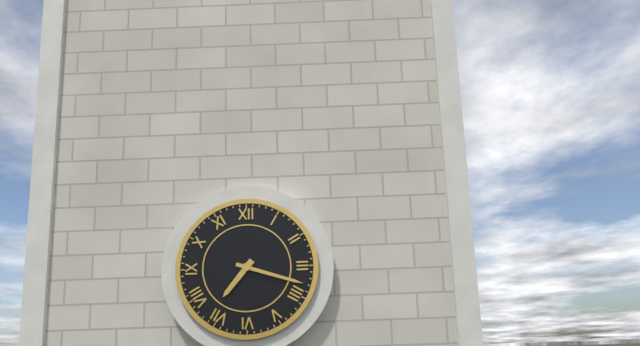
7.18
